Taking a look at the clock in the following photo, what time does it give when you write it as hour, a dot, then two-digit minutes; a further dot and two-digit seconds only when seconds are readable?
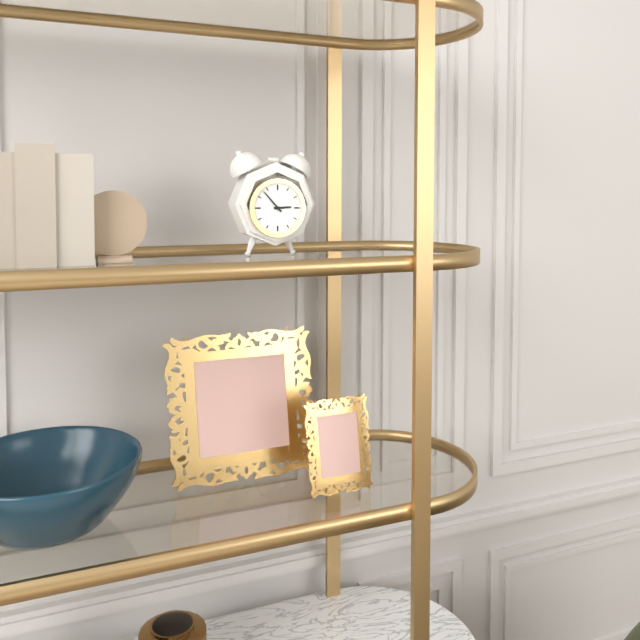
2.53
